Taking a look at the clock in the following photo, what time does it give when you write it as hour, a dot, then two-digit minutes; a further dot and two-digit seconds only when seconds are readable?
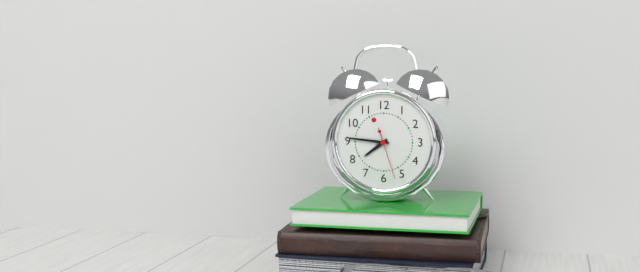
7.46
